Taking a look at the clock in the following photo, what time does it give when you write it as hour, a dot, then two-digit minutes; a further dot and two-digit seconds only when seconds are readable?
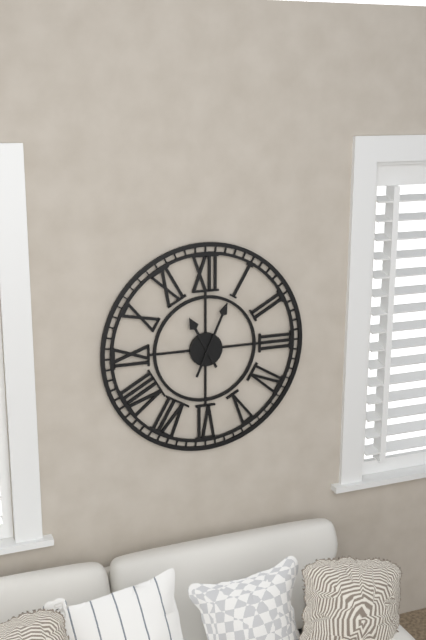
11.04
